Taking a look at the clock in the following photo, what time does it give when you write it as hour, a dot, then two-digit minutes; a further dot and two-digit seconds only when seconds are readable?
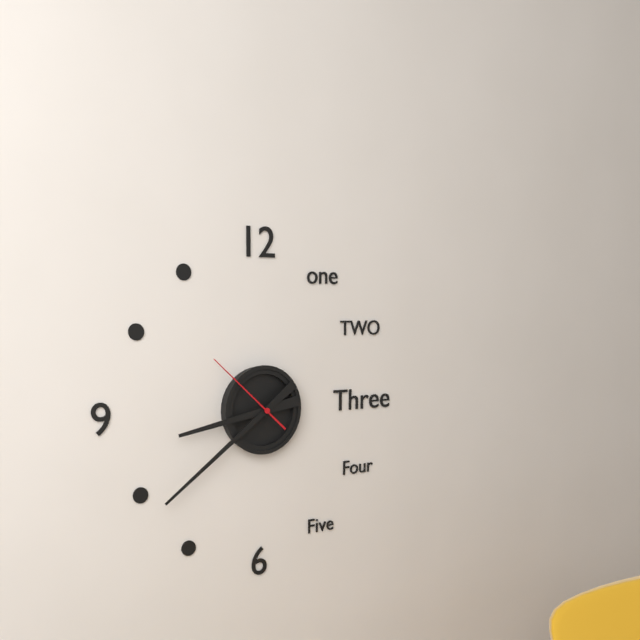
8.39.52
